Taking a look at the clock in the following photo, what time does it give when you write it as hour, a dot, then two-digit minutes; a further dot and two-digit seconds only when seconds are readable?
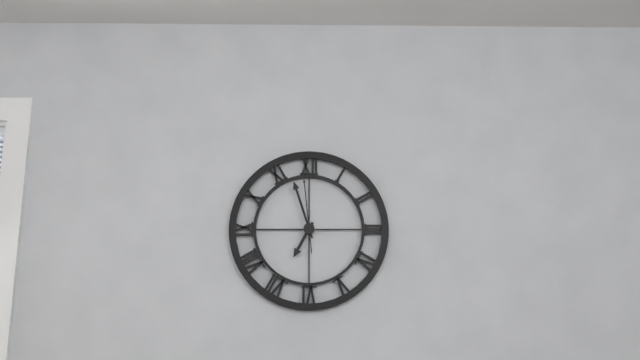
6.57.59
